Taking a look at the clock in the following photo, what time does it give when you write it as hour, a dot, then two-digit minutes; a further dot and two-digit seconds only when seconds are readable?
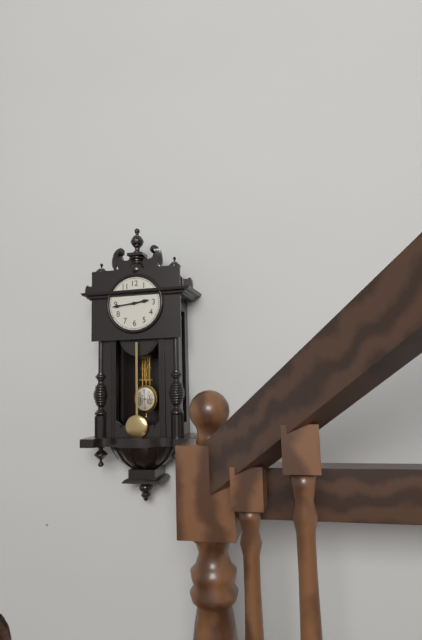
2.44
